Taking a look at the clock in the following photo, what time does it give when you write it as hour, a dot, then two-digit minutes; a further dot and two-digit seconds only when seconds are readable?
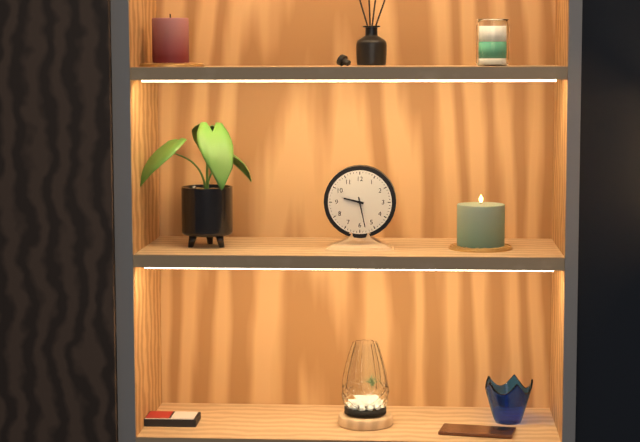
9.28
